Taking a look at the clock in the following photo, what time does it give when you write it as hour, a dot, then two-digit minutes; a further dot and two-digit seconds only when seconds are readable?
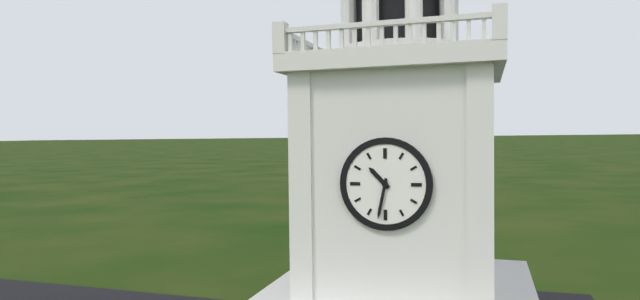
10.32
